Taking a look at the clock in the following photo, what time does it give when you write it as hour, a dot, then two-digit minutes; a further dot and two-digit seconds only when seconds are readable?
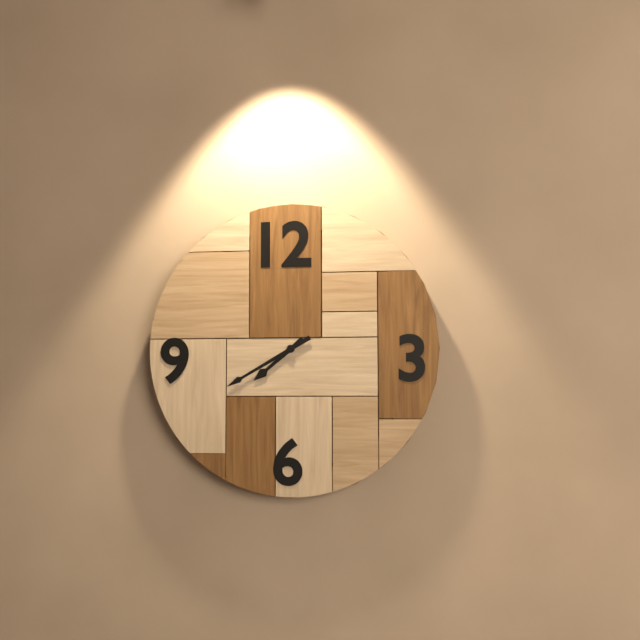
7.40
